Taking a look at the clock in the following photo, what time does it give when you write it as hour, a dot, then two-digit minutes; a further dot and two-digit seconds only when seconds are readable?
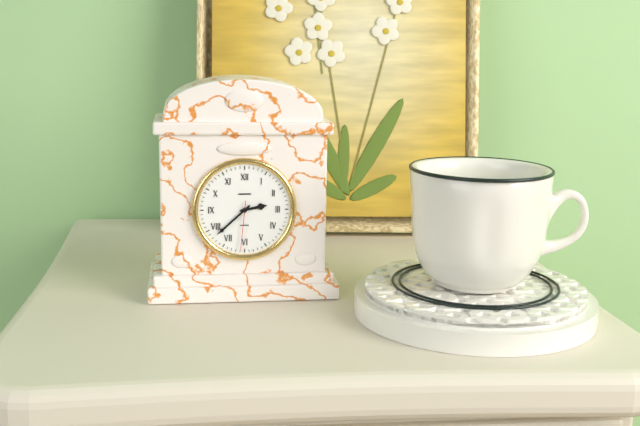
2.38.31
